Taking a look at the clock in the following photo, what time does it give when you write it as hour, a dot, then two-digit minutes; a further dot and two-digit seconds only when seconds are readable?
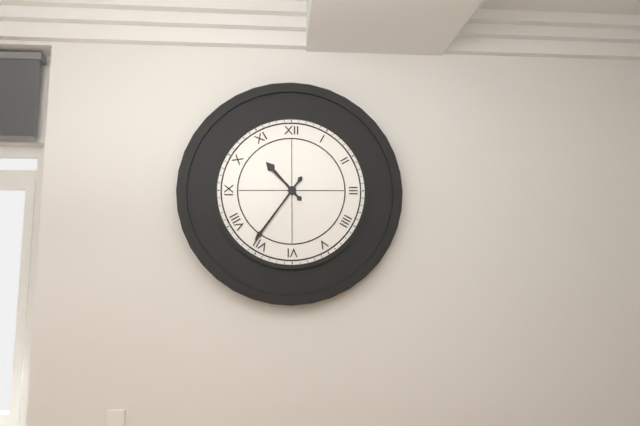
10.36
